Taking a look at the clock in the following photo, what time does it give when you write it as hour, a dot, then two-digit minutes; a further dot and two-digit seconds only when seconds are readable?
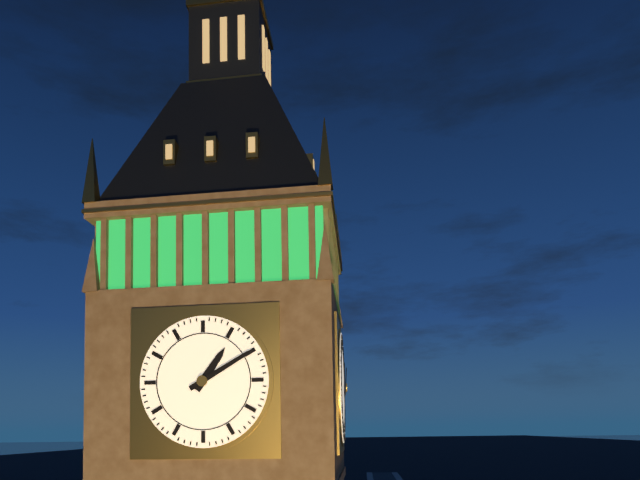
1.10
